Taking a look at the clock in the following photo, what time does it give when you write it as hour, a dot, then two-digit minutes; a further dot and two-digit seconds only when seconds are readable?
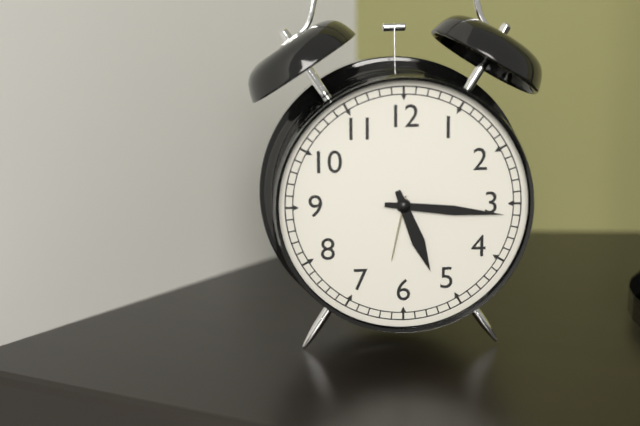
5.16
